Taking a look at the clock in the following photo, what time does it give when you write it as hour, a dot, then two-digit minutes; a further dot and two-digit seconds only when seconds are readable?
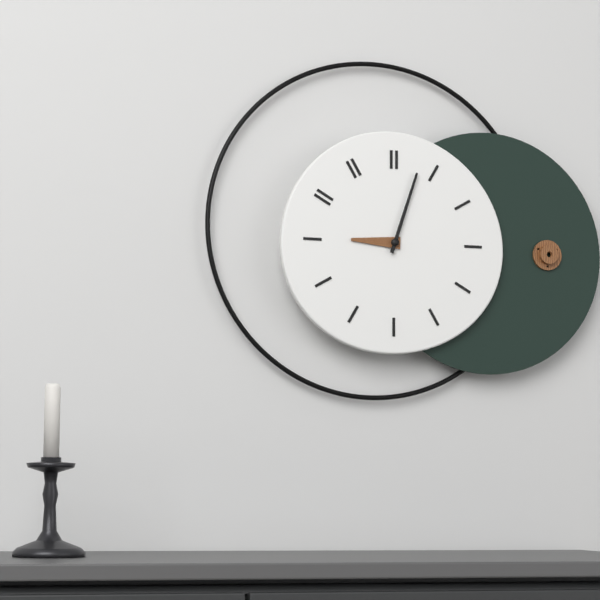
9.03
